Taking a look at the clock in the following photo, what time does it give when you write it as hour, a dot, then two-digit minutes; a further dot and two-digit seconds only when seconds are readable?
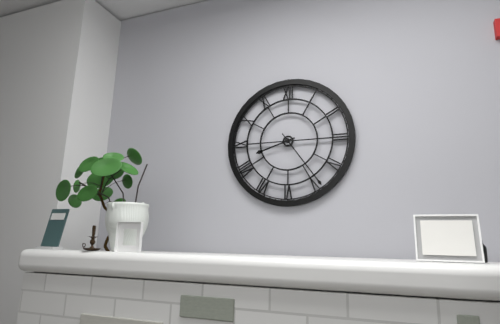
8.24
